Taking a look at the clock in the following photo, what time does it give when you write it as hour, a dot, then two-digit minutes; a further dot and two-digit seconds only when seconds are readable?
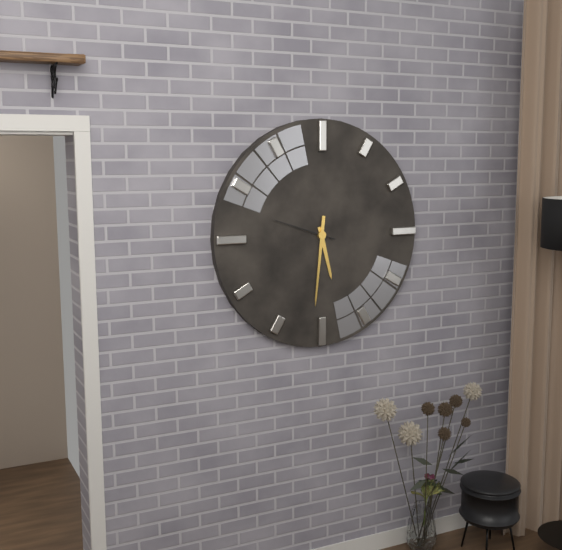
5.31.48
